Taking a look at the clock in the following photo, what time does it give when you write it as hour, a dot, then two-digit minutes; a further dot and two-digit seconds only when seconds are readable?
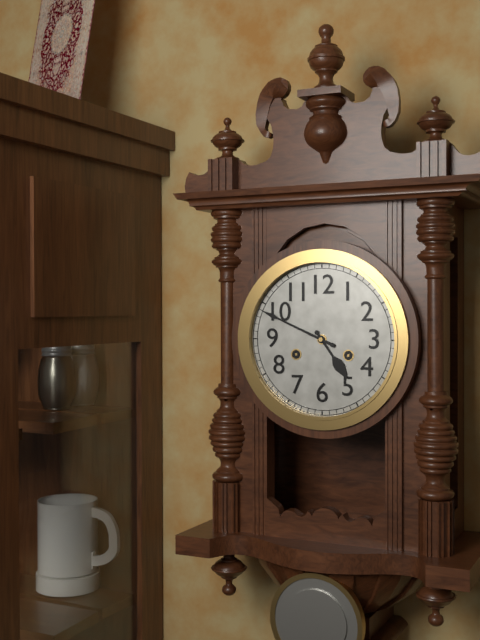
4.49
